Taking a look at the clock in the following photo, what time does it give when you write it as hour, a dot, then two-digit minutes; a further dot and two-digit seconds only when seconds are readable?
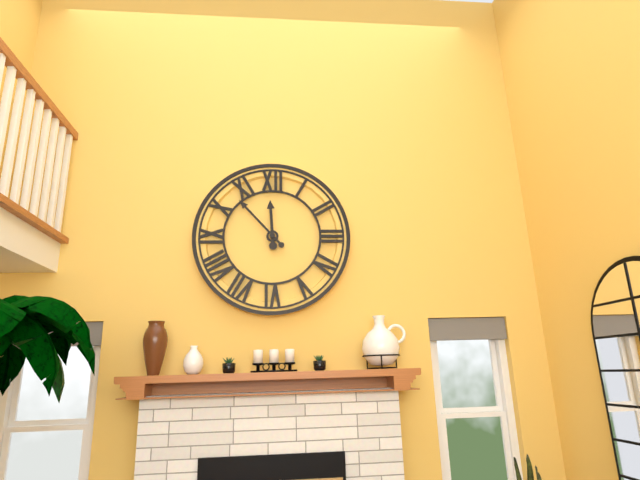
11.53
